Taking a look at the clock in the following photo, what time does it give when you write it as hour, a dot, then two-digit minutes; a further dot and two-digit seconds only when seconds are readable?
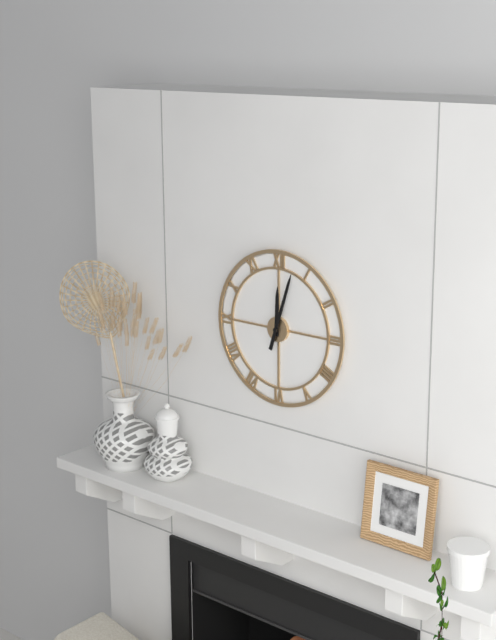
12.03
